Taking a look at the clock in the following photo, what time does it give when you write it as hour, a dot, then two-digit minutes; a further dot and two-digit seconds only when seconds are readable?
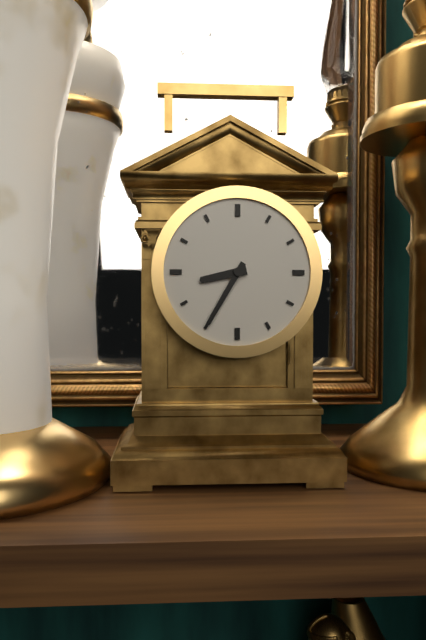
8.35
